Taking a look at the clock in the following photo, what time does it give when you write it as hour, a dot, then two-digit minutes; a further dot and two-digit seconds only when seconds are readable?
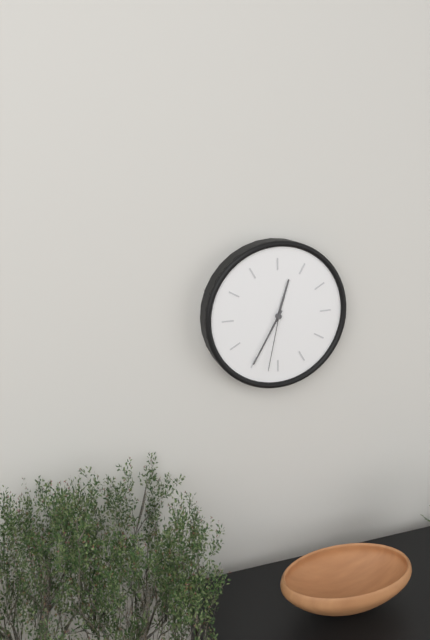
12.35.32
